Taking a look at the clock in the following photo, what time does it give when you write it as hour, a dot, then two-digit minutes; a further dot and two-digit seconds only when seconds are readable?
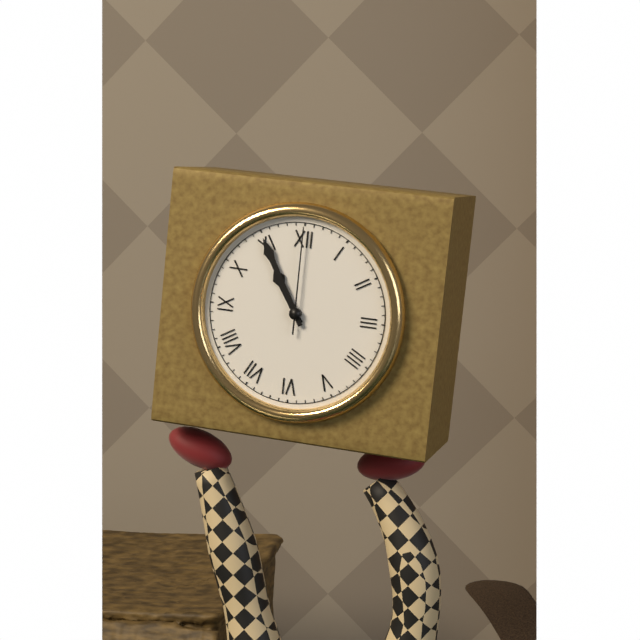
10.55.00
